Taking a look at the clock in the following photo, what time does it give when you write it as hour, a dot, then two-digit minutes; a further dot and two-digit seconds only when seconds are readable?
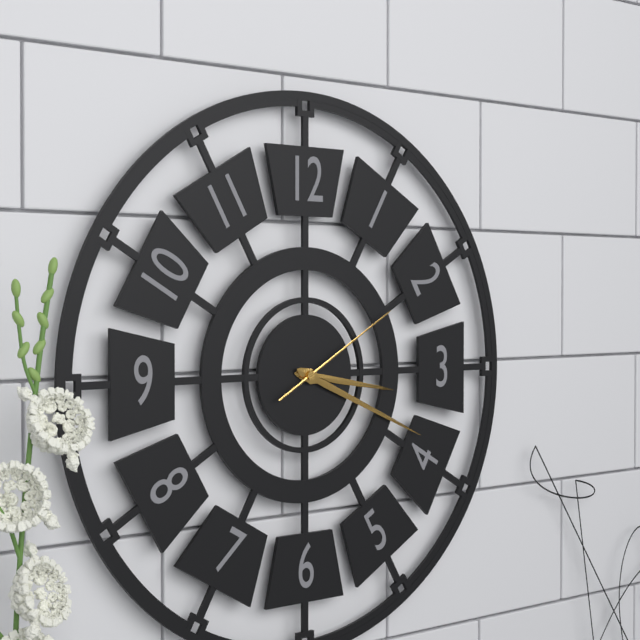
3.19.10
